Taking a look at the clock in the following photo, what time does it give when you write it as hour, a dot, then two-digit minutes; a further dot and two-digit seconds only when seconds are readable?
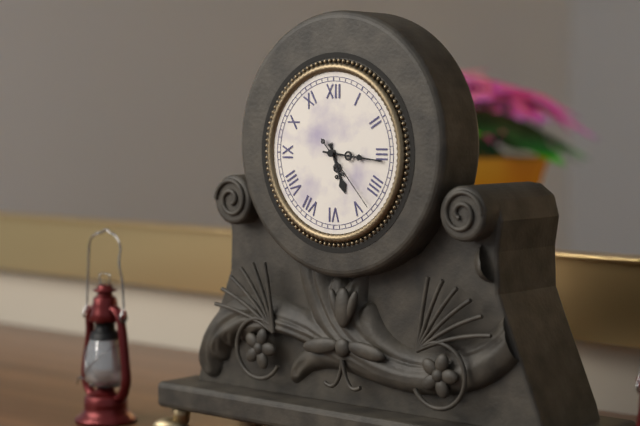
5.16.23
